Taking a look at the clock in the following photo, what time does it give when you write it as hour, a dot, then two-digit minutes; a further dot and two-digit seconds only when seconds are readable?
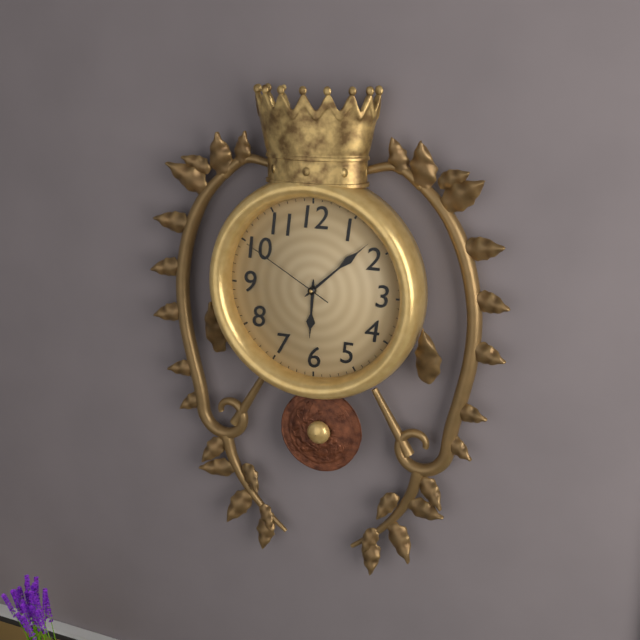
6.08.50
